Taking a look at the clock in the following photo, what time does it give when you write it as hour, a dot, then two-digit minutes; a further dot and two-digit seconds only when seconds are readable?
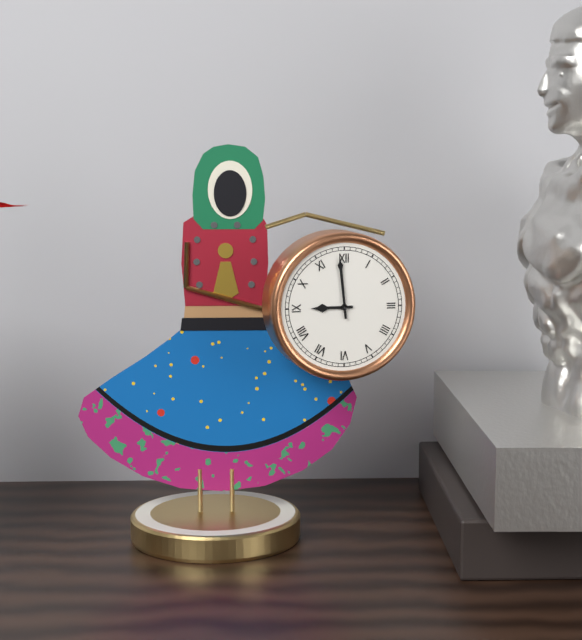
8.59
